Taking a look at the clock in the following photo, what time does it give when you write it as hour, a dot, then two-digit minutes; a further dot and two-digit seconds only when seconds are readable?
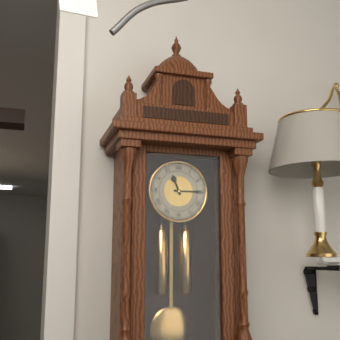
11.15
